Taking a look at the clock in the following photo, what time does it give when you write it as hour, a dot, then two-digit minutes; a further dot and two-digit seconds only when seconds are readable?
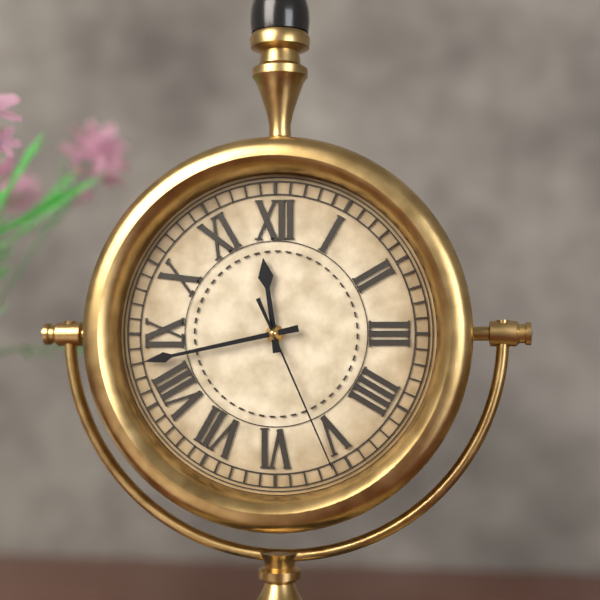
11.43.26
